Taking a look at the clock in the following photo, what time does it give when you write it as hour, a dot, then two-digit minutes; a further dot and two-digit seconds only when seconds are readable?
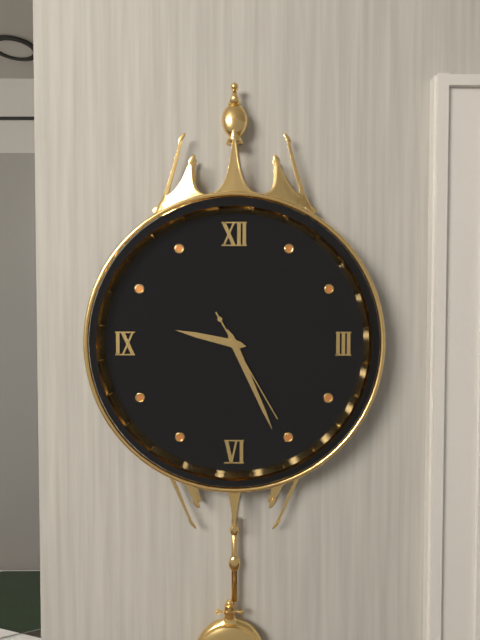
9.26.25
